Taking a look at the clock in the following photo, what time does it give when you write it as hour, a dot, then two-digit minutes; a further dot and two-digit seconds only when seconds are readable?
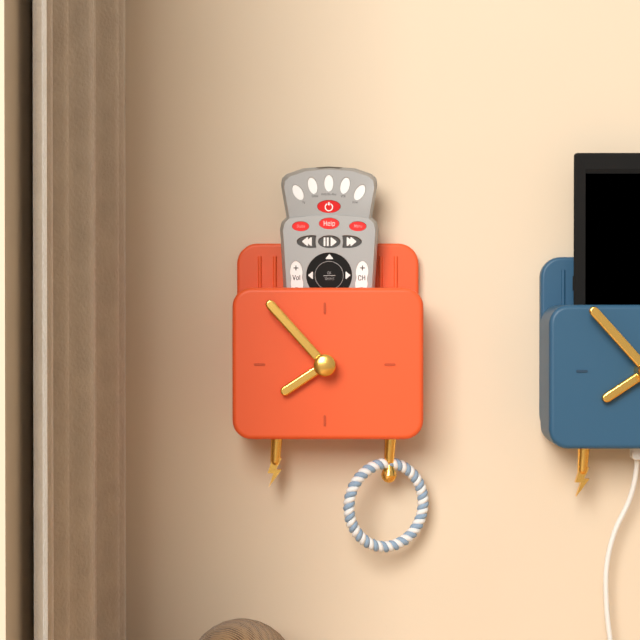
7.53
